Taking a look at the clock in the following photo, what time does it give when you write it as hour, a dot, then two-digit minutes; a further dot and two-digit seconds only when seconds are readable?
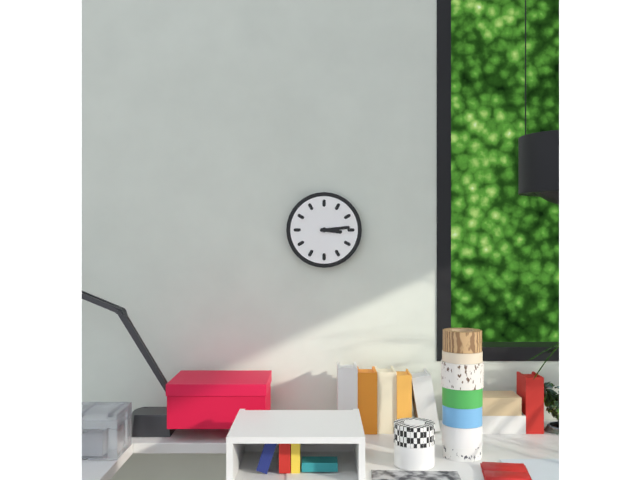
3.14
